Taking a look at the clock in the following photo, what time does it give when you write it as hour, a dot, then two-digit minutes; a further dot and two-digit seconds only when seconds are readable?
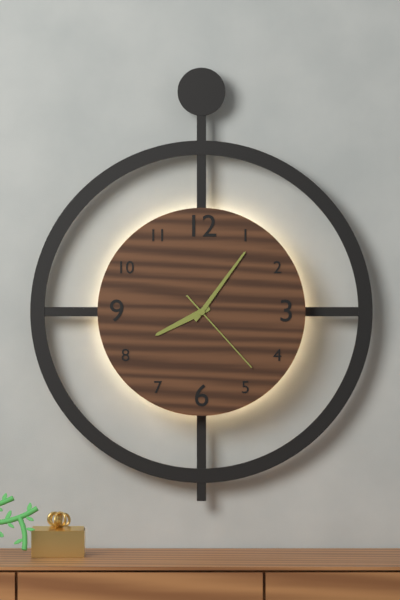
8.06.23
